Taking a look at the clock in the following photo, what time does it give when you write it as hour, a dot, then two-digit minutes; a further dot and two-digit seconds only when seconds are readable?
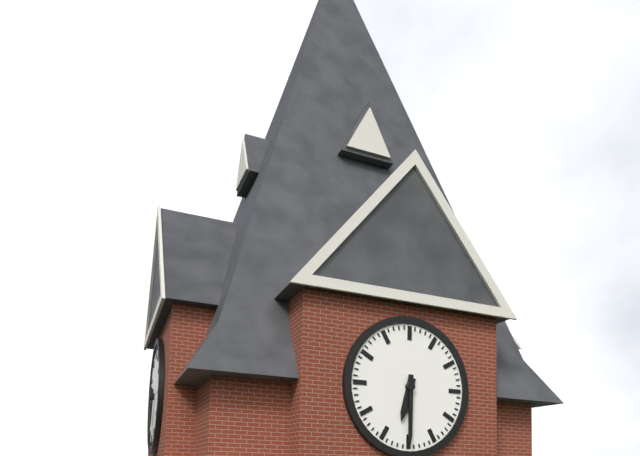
6.30
